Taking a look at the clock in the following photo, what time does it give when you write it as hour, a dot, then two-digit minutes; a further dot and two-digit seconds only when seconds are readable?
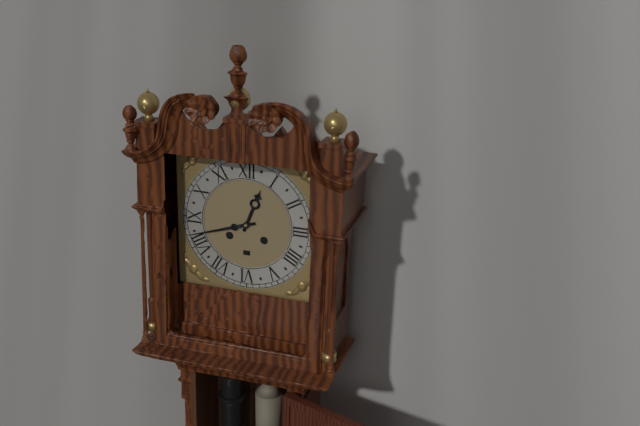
12.42
